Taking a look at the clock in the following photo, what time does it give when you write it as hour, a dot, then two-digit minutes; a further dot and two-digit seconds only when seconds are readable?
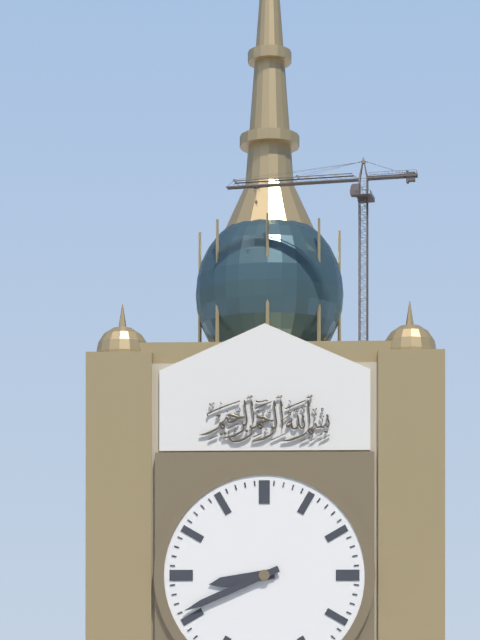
8.41
